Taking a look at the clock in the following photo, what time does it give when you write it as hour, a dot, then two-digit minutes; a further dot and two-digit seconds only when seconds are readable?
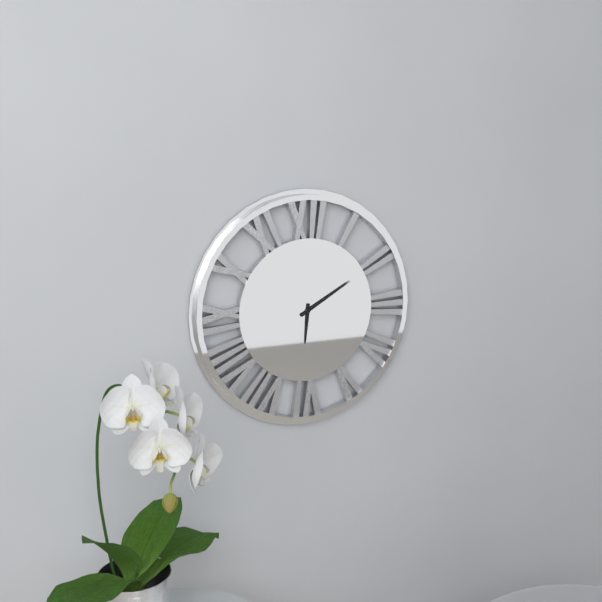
6.10
